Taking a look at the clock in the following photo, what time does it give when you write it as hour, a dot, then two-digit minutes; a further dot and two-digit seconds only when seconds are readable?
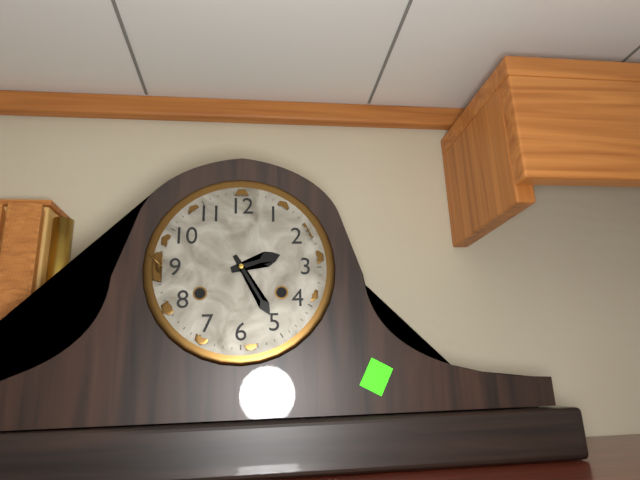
2.25
